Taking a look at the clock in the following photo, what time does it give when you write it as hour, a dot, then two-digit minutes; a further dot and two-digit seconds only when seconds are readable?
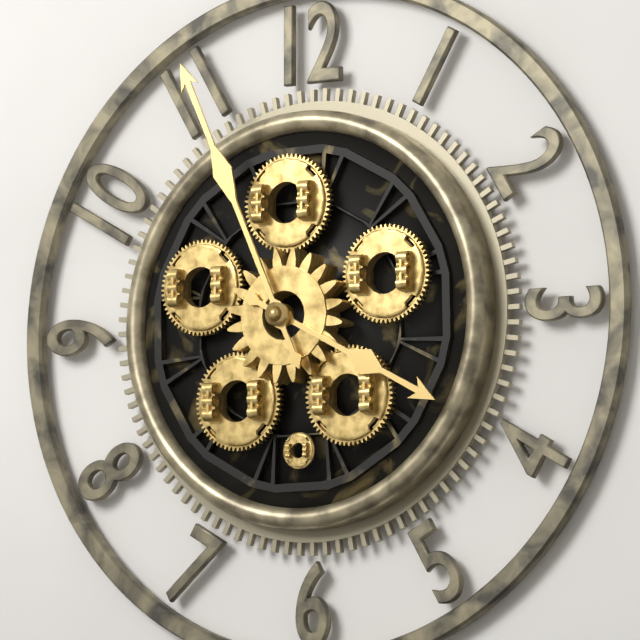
3.56
